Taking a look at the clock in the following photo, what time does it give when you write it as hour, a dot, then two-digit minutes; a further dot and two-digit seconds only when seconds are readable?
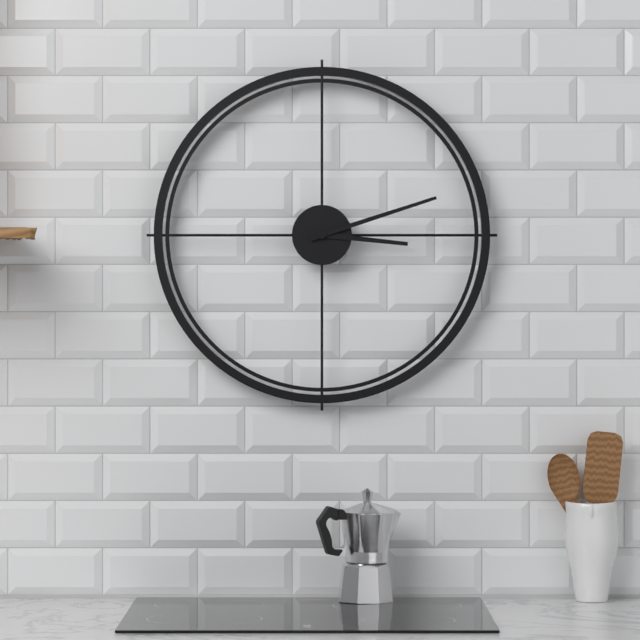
3.12
